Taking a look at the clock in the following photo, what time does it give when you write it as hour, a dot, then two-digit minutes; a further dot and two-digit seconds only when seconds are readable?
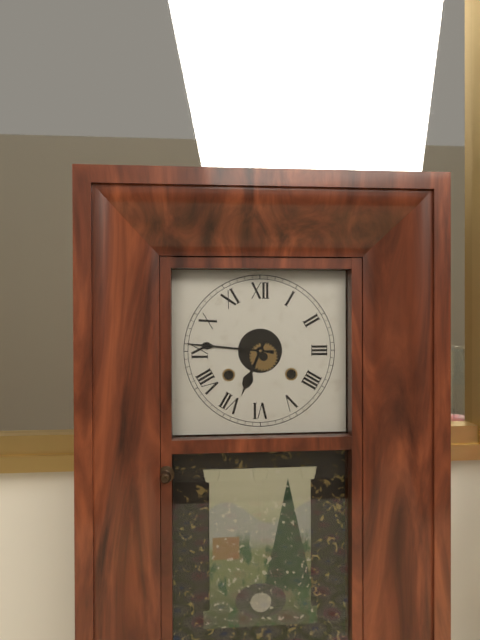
6.46
